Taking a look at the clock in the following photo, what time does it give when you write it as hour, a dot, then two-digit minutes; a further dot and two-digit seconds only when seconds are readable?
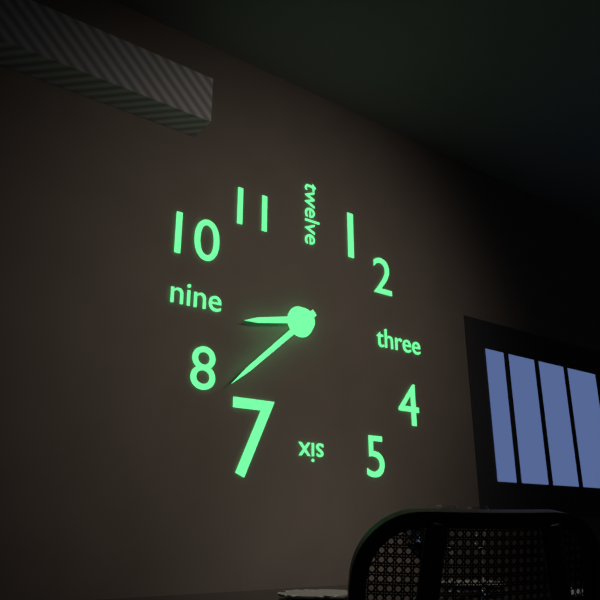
8.38
